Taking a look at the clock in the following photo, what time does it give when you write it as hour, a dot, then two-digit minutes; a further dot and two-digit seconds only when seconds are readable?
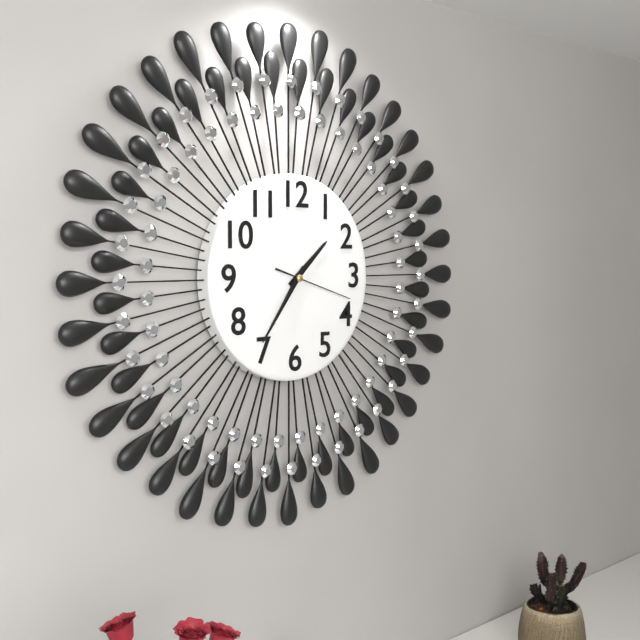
1.36.18
